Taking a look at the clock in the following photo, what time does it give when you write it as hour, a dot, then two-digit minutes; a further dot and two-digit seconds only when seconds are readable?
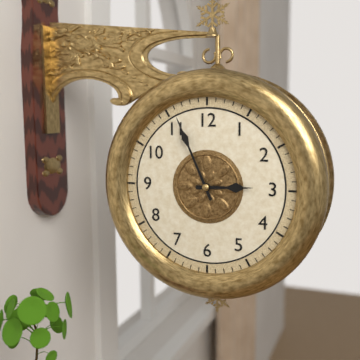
2.56
